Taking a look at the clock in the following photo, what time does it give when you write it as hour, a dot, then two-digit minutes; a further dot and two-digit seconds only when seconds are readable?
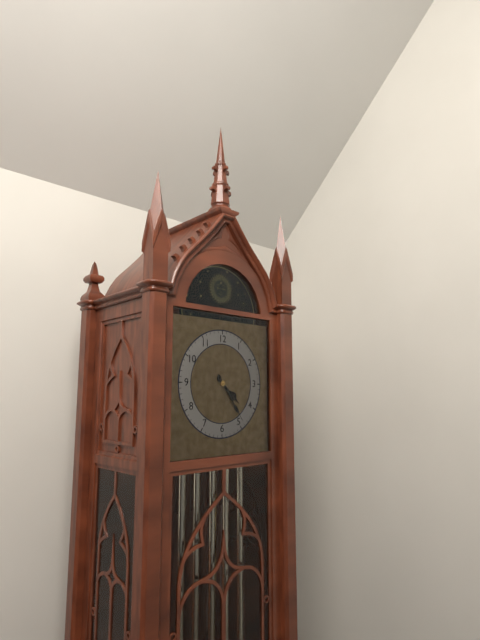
4.24
